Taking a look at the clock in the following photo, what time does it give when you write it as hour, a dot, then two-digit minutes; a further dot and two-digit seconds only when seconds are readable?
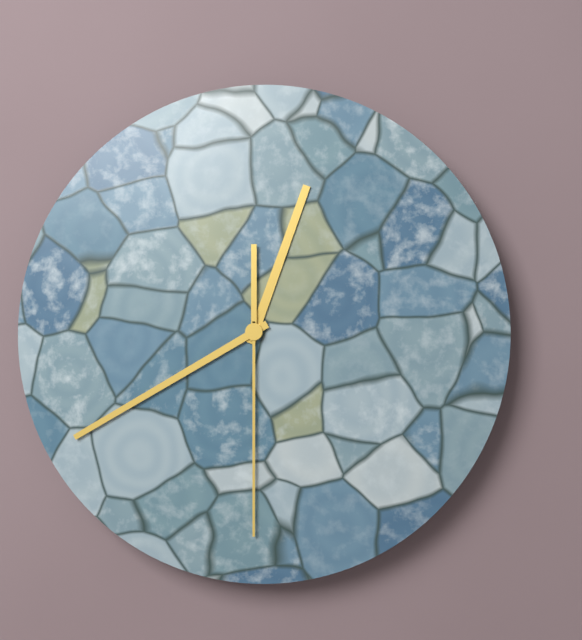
12.40.30
